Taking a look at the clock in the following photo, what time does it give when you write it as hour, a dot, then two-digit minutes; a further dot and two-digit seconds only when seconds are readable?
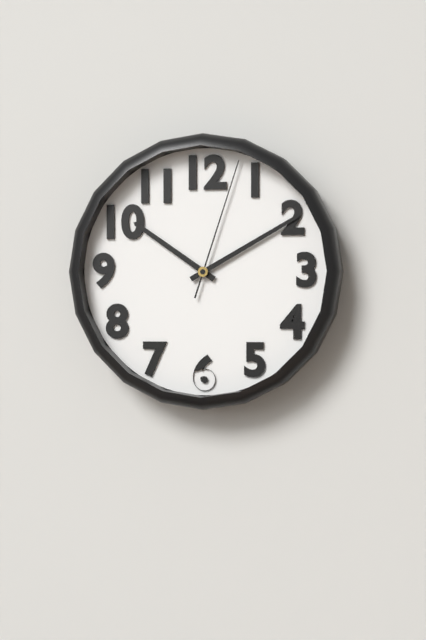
10.10.03
